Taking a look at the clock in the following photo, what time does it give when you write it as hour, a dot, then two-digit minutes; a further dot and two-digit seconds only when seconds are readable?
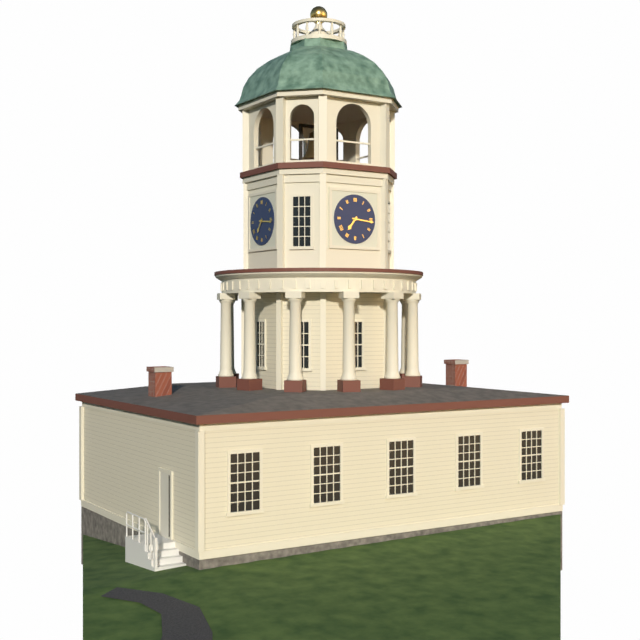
7.16
